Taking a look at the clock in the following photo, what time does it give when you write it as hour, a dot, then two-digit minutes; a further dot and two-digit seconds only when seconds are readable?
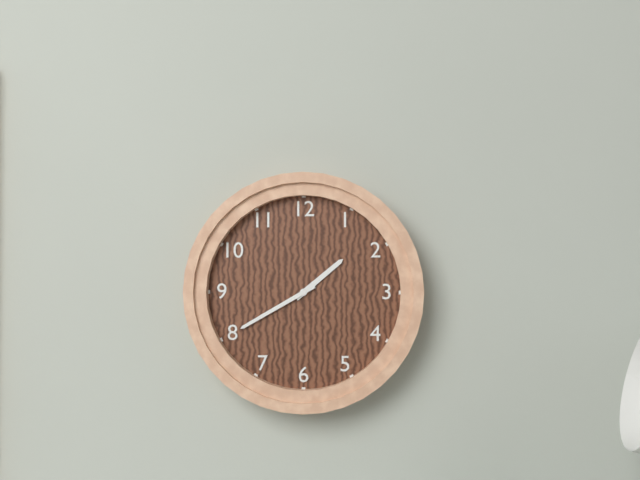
1.40
